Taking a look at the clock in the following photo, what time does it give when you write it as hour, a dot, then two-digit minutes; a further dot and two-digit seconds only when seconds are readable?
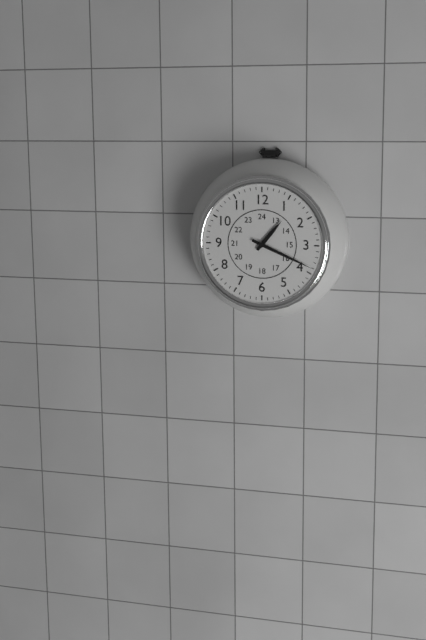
1.19
